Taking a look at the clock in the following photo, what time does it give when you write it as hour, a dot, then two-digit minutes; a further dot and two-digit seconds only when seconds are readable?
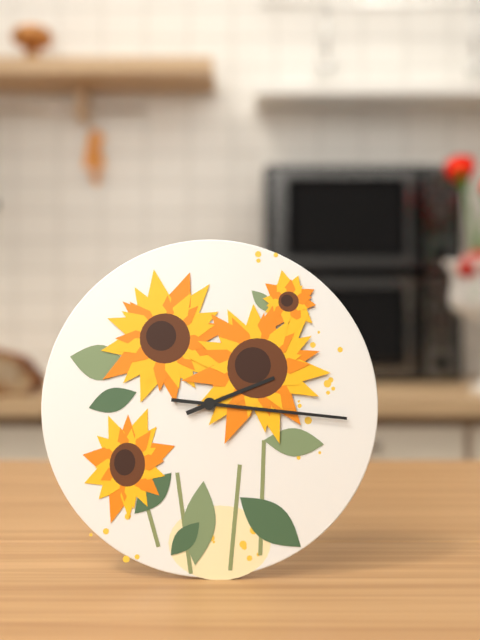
2.16
